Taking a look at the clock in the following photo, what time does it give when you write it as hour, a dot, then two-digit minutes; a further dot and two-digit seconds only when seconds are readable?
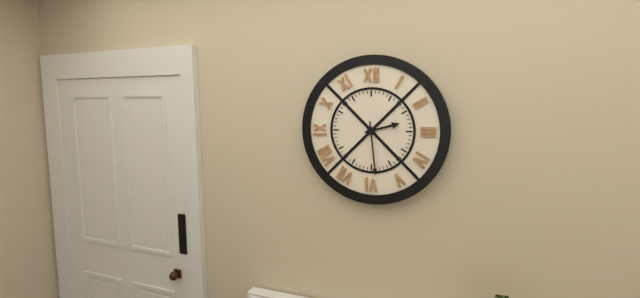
2.29
